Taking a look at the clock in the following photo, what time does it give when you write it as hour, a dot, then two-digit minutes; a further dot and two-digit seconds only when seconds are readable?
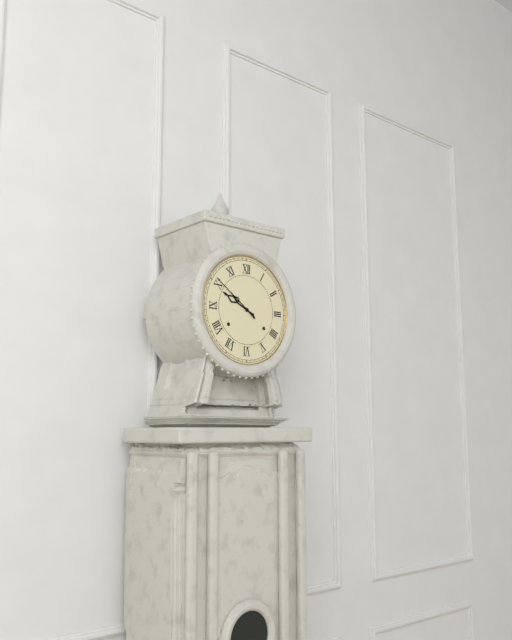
9.51
